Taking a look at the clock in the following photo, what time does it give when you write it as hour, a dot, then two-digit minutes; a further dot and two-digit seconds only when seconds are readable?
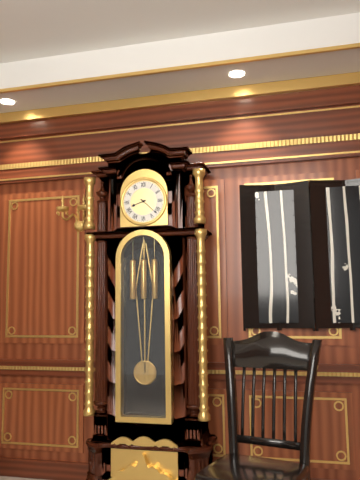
8.22
